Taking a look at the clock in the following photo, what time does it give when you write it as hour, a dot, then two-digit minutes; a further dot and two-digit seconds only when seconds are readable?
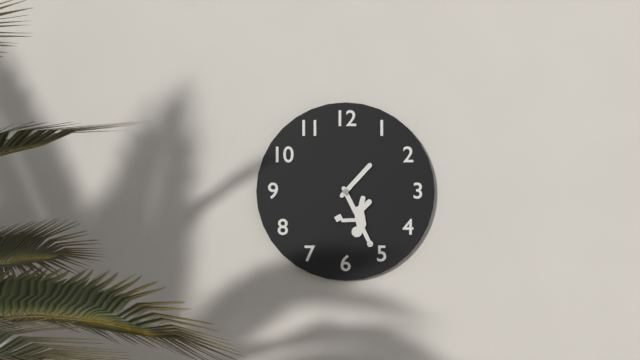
1.25
